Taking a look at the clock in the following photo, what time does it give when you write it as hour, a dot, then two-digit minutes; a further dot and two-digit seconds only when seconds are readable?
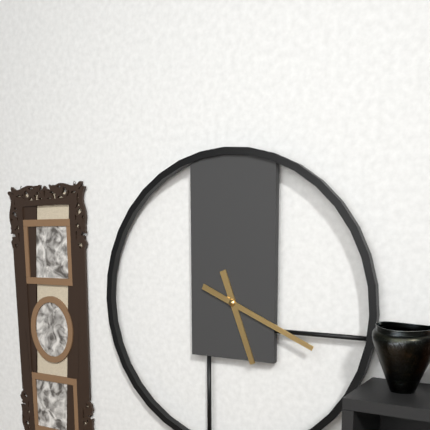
5.19
